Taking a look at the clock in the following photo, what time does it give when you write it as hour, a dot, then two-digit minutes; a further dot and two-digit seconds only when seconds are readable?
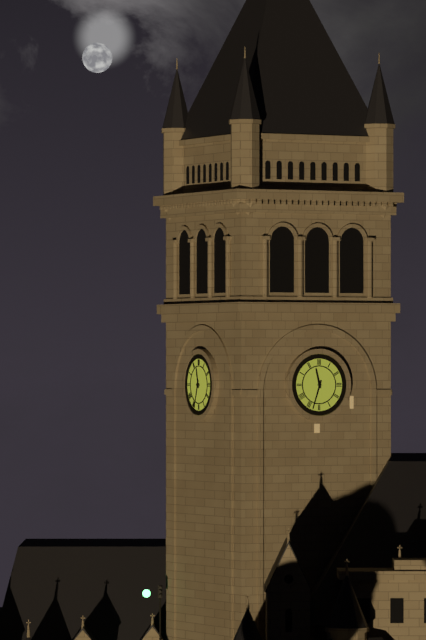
11.33
